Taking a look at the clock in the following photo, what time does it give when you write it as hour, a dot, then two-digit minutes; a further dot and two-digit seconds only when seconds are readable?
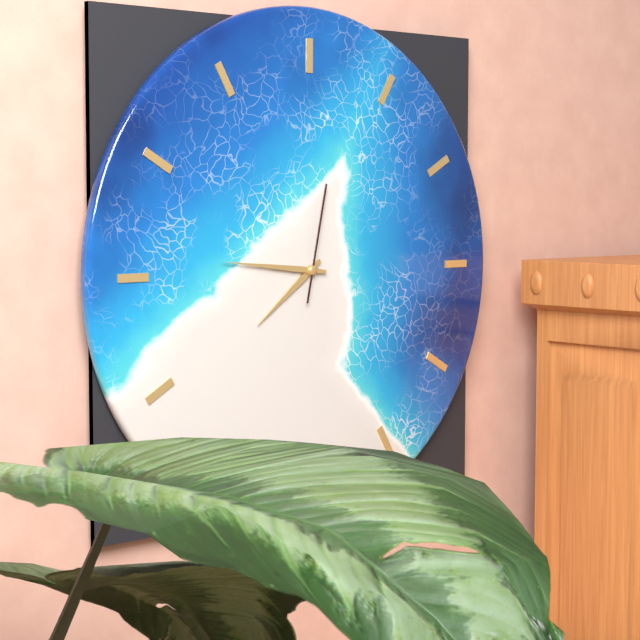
7.46.02
